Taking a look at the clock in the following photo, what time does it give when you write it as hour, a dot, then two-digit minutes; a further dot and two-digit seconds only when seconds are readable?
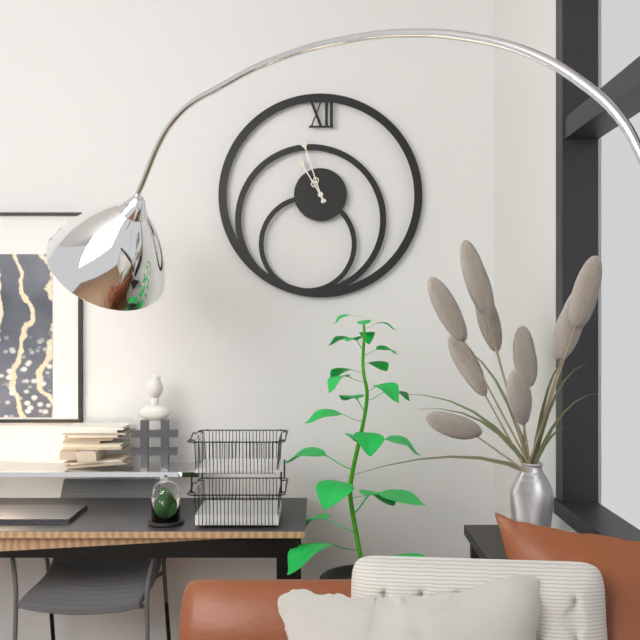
10.57
